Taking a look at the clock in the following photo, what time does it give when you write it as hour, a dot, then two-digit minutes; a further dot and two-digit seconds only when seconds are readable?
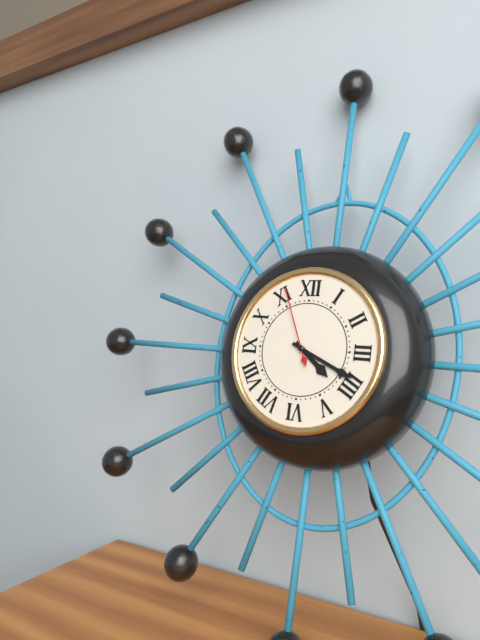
4.19.56
